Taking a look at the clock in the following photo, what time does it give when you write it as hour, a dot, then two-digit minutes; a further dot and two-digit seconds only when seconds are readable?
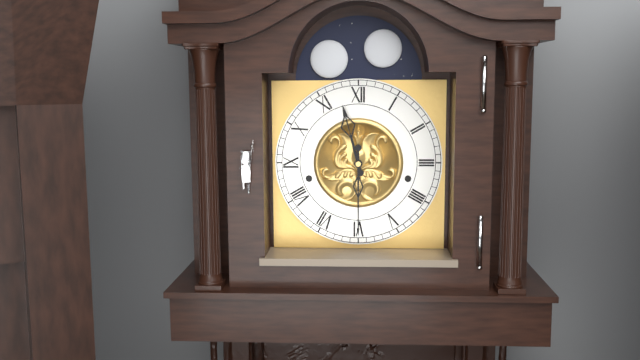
11.30
